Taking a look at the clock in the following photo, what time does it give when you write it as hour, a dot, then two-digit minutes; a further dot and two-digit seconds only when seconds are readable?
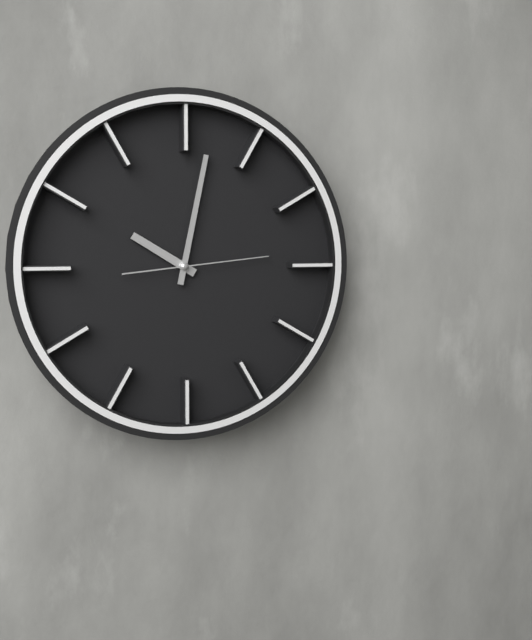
10.02.14
